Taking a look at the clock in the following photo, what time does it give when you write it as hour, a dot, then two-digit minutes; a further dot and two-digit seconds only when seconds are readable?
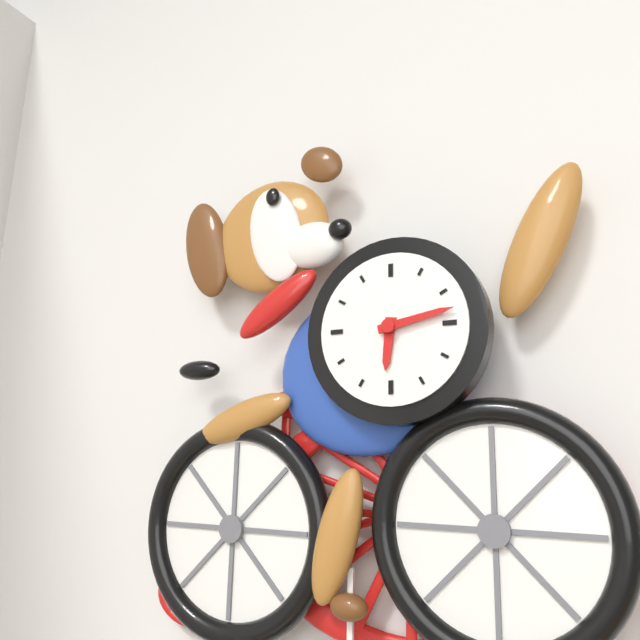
6.13
